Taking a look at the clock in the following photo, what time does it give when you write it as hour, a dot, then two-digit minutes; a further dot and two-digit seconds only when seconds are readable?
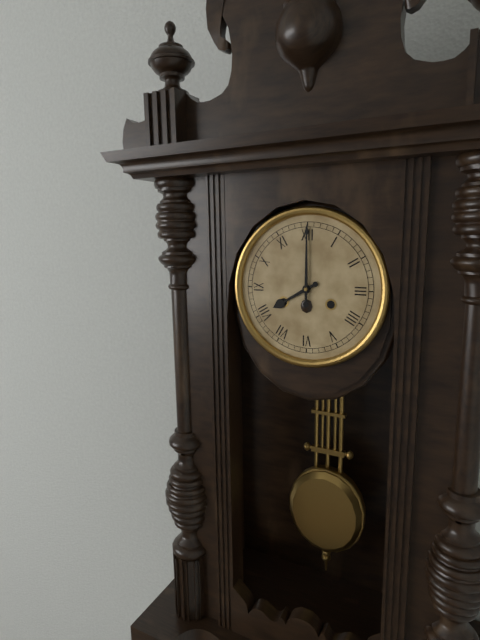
8.00
